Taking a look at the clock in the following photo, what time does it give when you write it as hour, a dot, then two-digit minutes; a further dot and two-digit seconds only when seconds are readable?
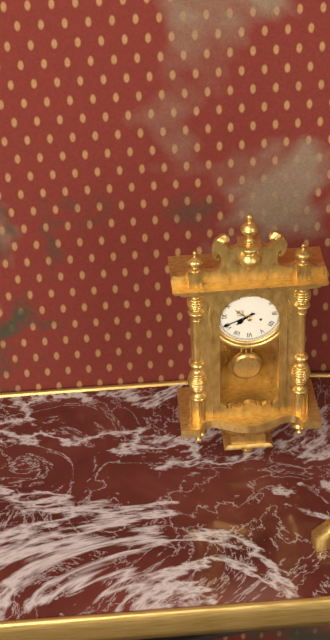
7.41
